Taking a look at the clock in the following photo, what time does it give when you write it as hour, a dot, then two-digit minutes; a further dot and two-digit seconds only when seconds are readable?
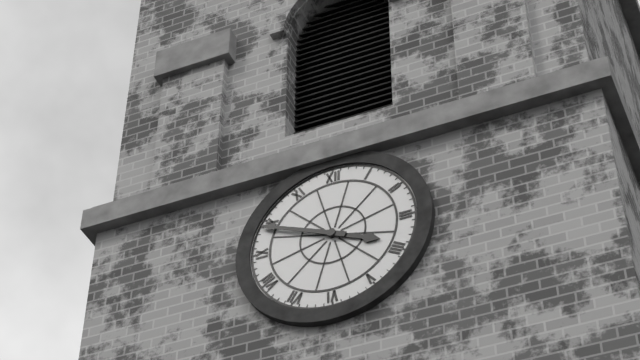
3.49
